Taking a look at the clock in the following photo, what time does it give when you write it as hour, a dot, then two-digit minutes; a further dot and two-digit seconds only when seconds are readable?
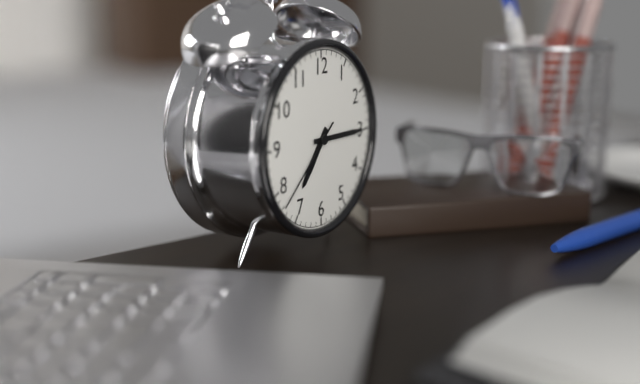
7.15.38
